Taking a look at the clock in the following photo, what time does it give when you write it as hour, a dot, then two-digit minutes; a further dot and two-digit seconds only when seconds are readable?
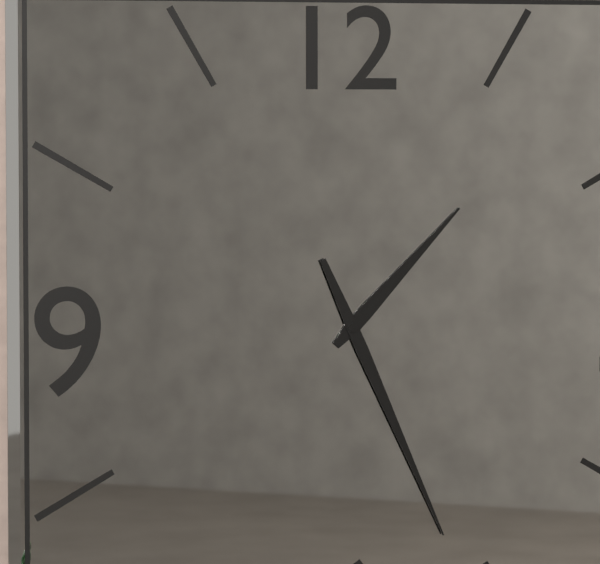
1.26
